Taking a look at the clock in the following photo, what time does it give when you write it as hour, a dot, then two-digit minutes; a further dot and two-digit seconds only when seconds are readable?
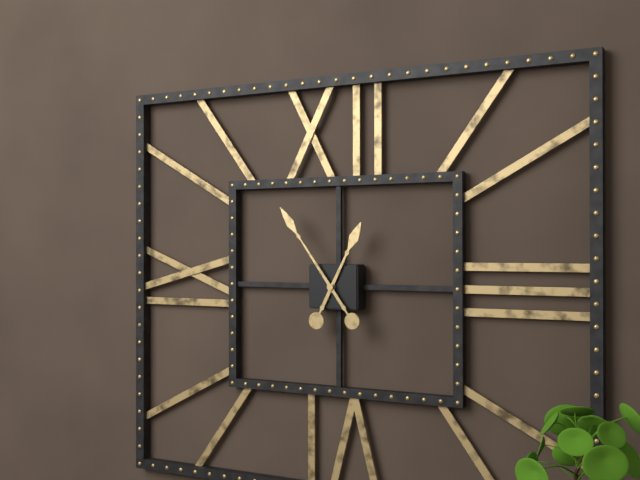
12.54
